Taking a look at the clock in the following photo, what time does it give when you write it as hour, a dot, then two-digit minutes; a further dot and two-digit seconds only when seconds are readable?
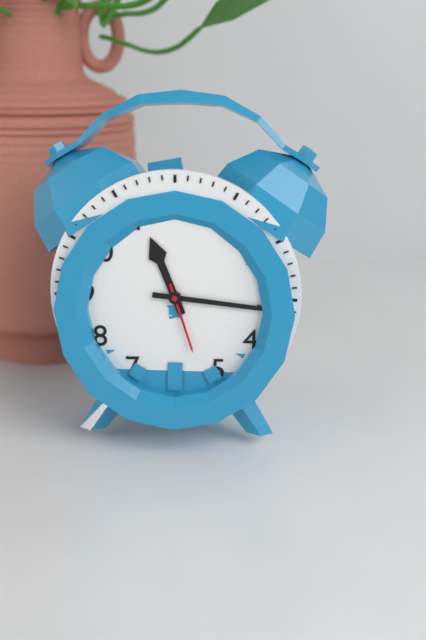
11.16.27
